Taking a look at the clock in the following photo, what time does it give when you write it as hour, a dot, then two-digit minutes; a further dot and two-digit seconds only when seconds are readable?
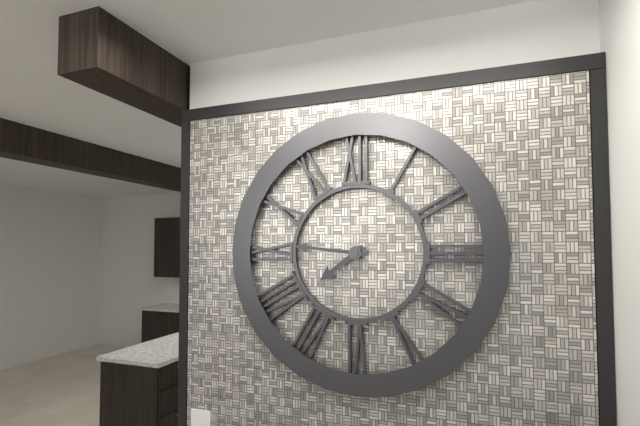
7.46
